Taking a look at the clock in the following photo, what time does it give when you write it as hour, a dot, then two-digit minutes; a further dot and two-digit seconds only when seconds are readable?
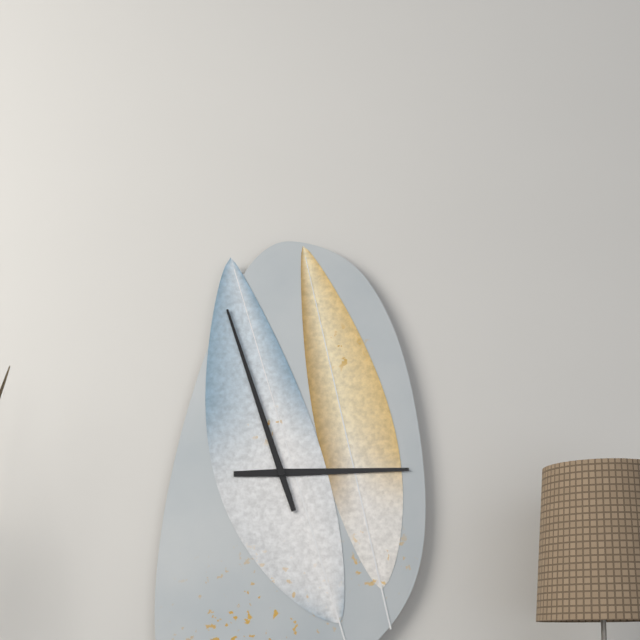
2.57
